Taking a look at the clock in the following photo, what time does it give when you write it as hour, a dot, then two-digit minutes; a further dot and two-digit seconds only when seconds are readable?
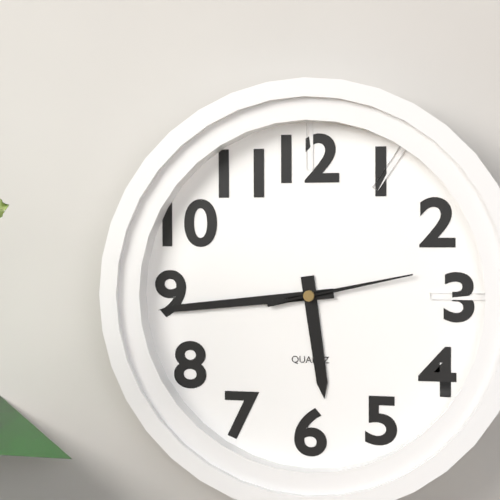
5.44.13
